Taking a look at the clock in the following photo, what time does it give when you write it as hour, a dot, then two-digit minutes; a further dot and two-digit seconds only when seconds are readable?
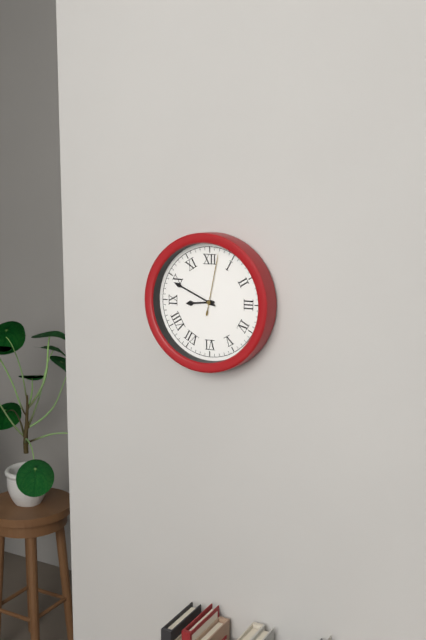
8.49.02
